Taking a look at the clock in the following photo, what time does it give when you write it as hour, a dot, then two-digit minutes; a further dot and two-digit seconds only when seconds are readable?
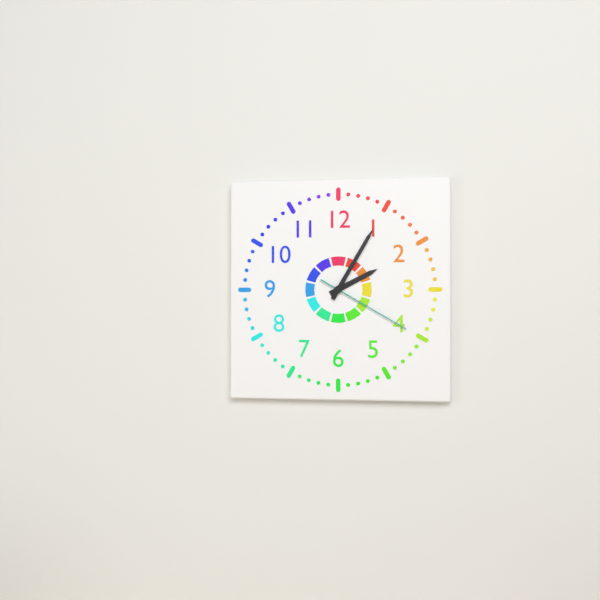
2.05.20
